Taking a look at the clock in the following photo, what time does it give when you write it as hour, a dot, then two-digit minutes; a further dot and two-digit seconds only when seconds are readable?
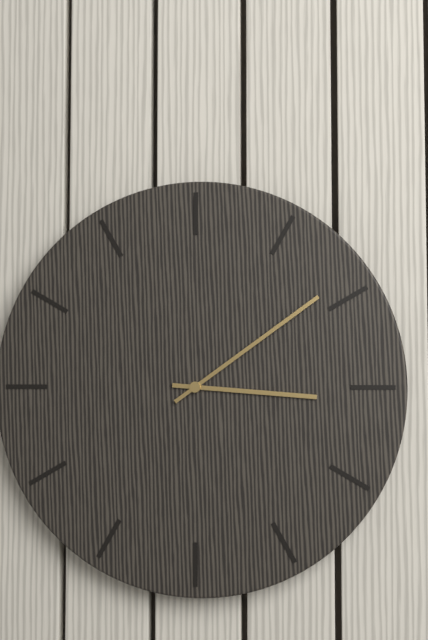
3.09
